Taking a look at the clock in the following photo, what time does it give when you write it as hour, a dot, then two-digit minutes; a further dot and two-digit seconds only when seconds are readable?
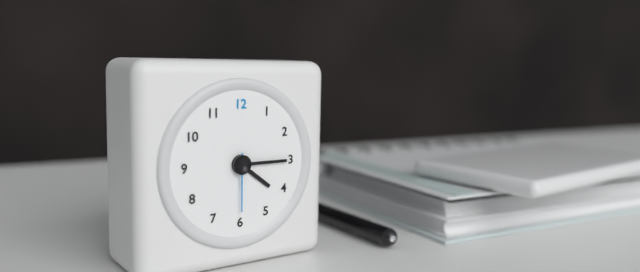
4.15.30
